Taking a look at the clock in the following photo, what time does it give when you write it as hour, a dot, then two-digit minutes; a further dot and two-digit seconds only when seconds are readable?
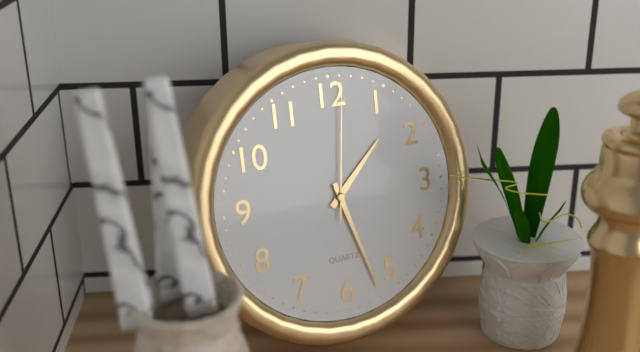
1.27.01
